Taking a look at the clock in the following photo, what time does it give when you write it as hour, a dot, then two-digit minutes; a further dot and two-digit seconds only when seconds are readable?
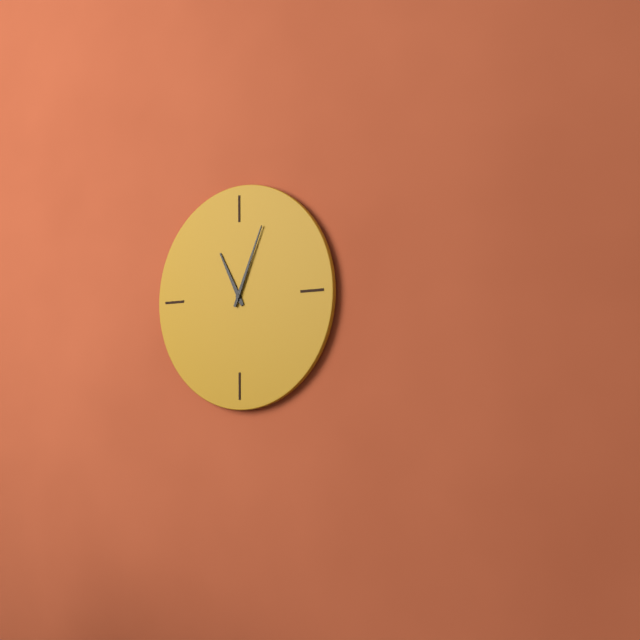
11.04
